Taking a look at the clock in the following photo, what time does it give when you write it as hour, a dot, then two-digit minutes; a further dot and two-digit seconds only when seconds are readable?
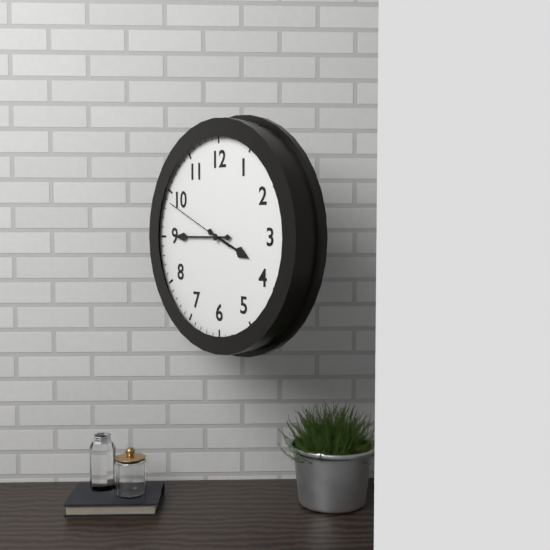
3.45.49
